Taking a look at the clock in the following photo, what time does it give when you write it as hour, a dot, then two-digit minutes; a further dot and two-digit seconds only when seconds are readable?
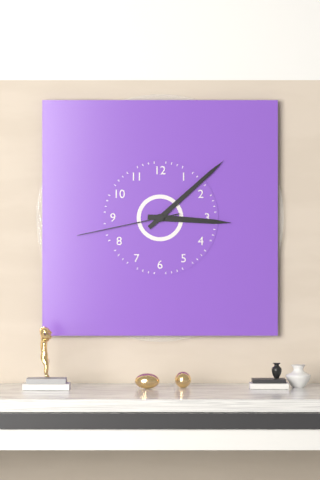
3.08.43
